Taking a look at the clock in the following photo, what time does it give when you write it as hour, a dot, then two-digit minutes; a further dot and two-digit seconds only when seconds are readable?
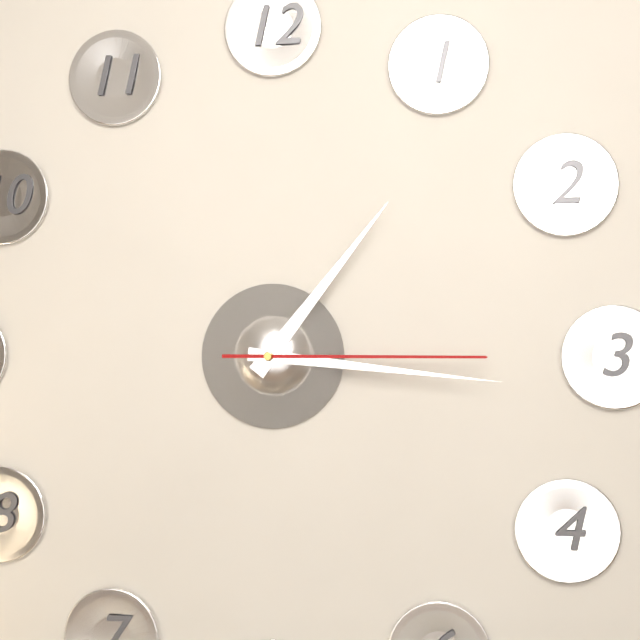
1.16.15
